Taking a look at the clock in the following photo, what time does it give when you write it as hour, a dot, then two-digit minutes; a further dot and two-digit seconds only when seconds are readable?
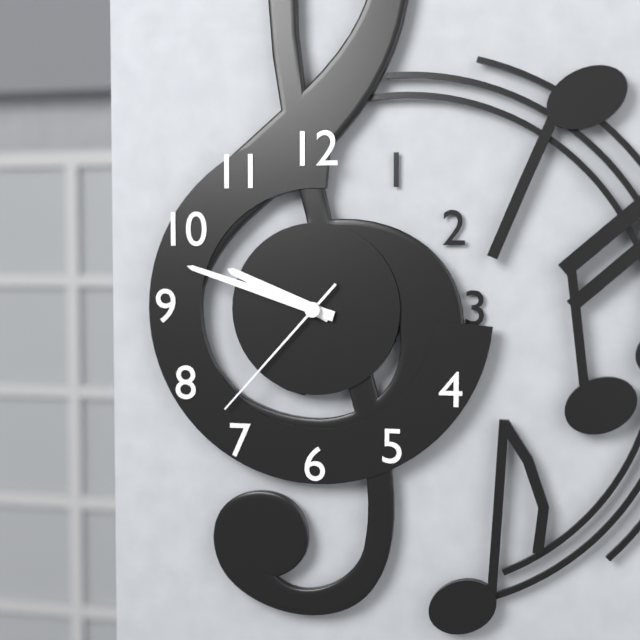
9.48.37
